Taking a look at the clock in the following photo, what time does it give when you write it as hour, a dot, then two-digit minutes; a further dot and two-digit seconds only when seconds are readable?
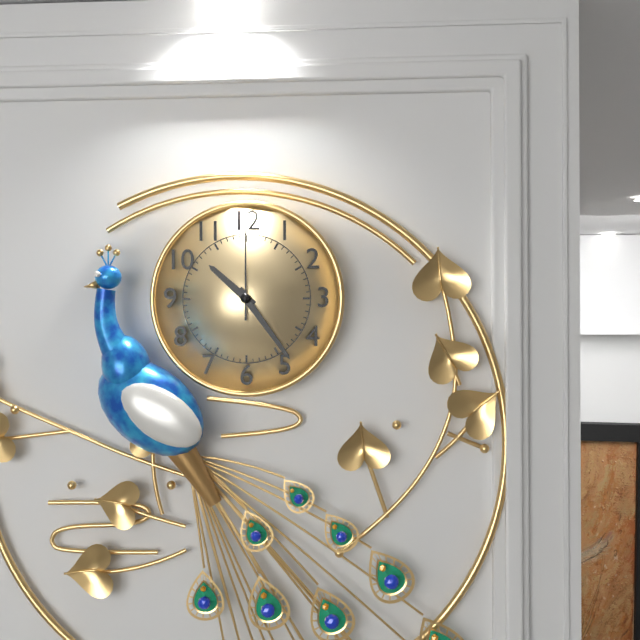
10.24.00
